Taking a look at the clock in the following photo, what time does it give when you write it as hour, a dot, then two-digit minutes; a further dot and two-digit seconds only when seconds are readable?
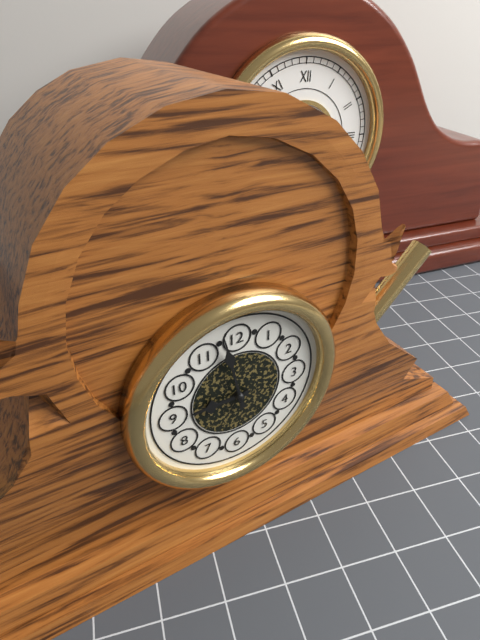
8.58
